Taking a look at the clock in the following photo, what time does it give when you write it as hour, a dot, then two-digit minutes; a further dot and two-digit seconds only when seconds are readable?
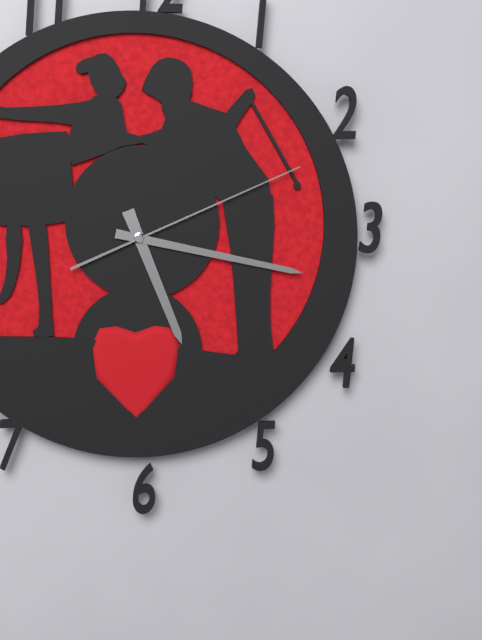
5.17.11
